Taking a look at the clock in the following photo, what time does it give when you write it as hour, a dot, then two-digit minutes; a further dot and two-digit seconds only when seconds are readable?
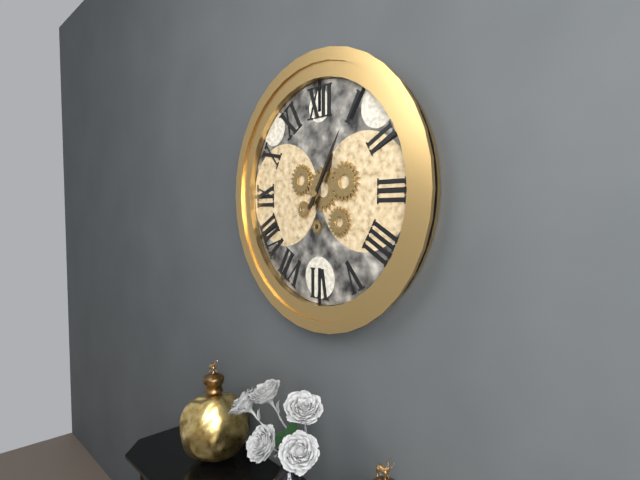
1.05
